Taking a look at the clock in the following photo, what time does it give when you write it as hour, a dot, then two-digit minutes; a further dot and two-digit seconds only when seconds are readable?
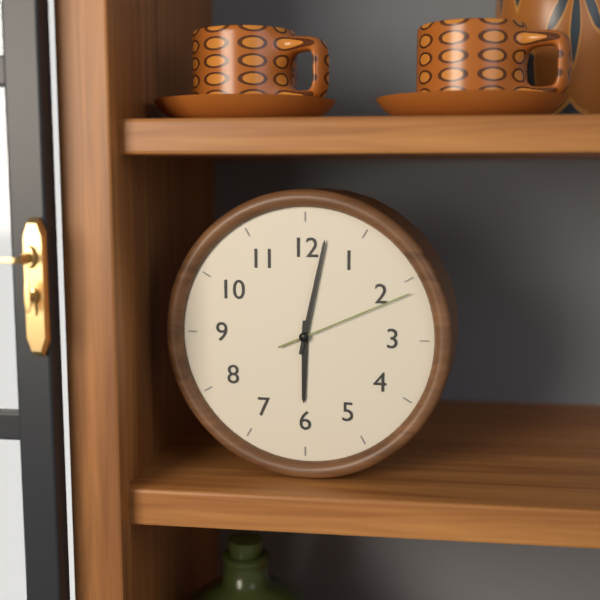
6.02.11
